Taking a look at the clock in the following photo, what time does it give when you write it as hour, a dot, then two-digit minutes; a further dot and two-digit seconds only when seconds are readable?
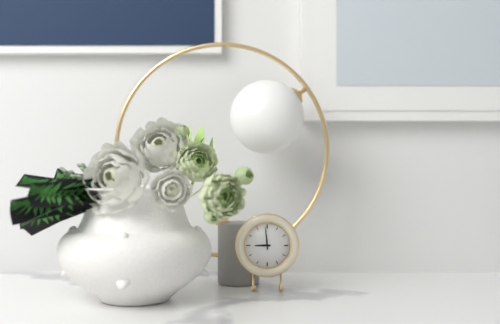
8.59
